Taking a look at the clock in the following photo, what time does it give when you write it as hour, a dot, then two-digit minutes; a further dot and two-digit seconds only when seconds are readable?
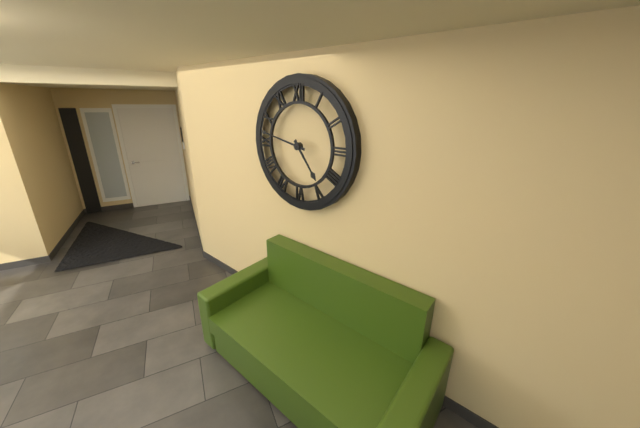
4.47
